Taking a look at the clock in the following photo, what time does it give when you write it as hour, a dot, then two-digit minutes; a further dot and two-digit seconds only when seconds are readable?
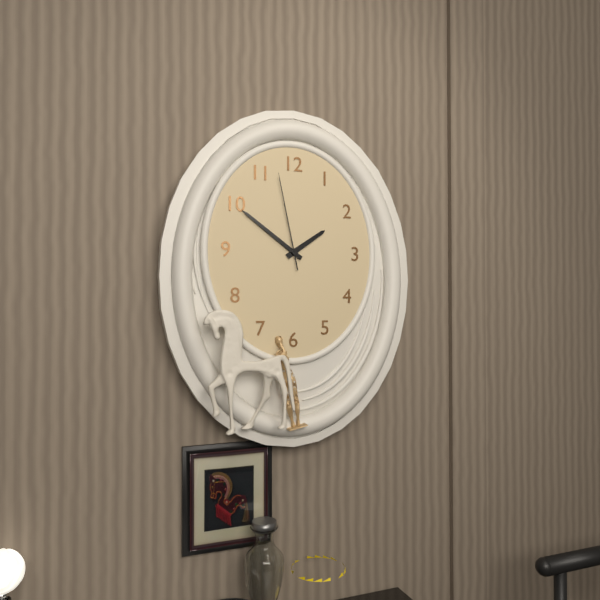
1.51.58
